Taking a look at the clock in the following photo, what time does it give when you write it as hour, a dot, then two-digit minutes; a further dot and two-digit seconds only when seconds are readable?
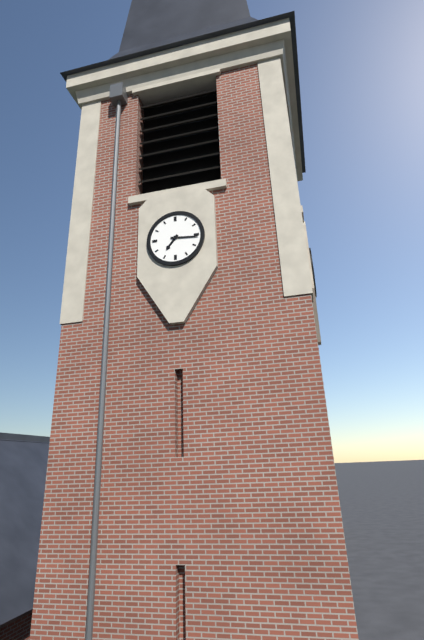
7.16
